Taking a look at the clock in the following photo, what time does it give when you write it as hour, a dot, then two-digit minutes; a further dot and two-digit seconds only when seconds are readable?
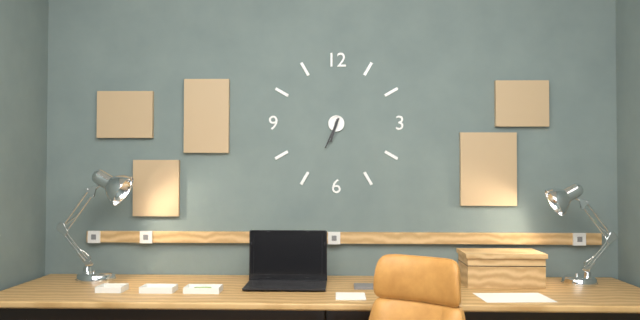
6.34
